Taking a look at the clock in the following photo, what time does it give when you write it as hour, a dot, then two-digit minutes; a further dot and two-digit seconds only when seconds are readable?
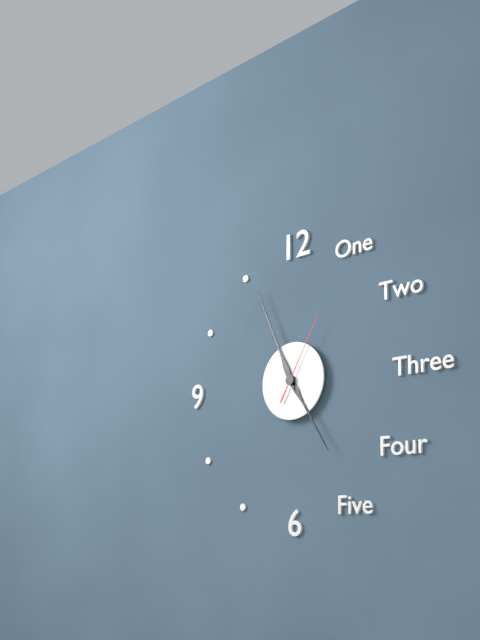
4.56.05
